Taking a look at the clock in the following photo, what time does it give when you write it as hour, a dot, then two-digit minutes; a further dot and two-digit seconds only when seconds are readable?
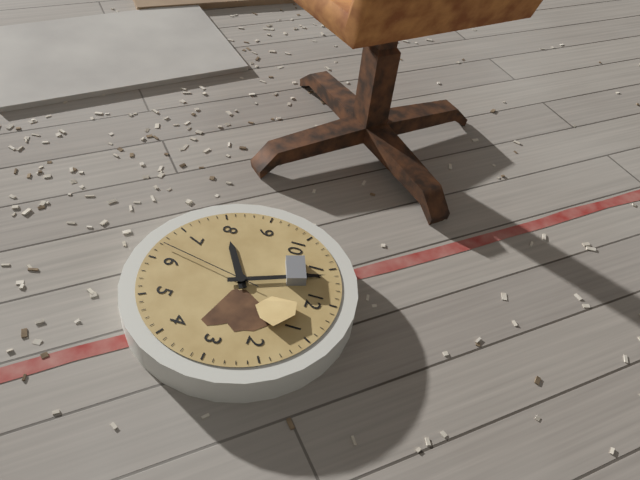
7.56.32
